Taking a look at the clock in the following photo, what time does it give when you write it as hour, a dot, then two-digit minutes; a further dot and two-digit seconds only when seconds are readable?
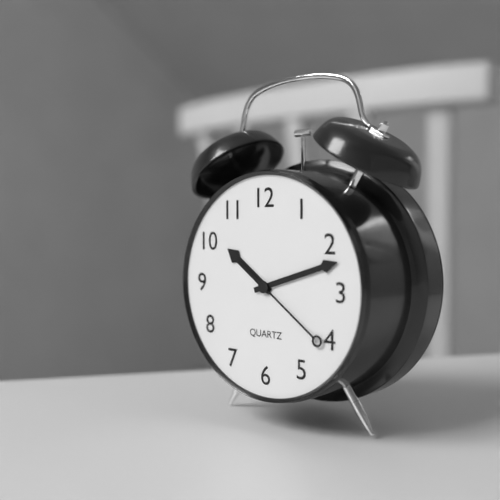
10.12.21
